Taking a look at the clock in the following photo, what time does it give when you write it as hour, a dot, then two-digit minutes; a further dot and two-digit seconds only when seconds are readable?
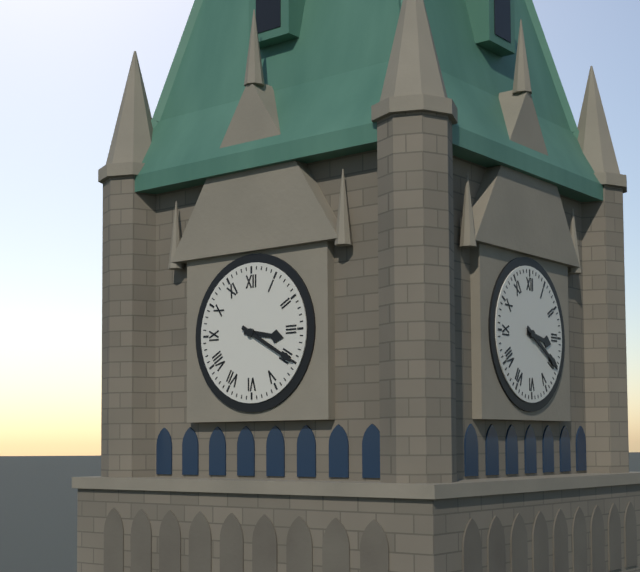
3.20
